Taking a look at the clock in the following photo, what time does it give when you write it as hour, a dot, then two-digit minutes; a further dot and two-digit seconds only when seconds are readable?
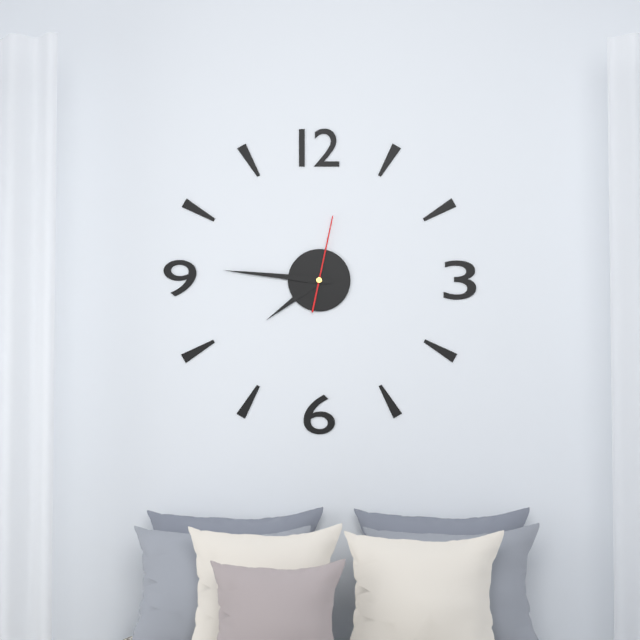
7.46.02
